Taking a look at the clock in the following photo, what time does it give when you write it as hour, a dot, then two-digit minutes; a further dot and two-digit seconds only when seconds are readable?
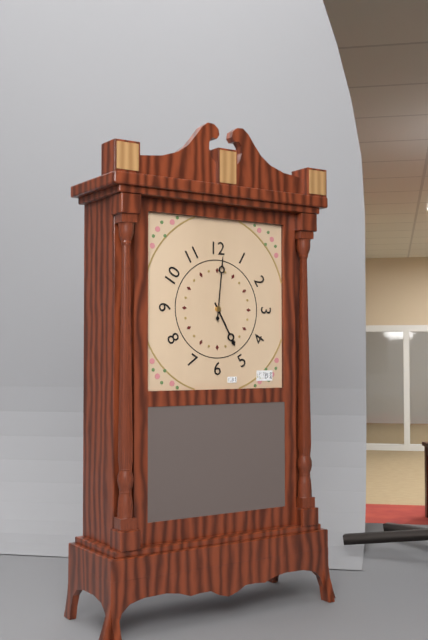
5.01
